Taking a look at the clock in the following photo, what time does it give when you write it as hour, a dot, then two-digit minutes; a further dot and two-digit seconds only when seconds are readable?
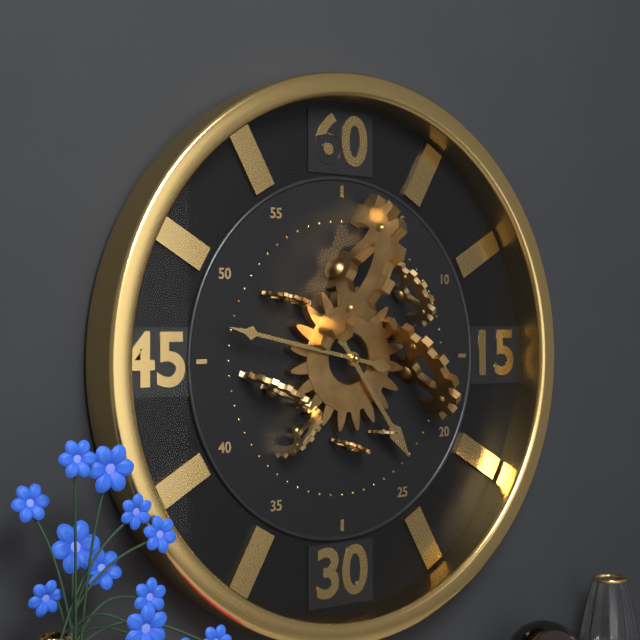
4.47
